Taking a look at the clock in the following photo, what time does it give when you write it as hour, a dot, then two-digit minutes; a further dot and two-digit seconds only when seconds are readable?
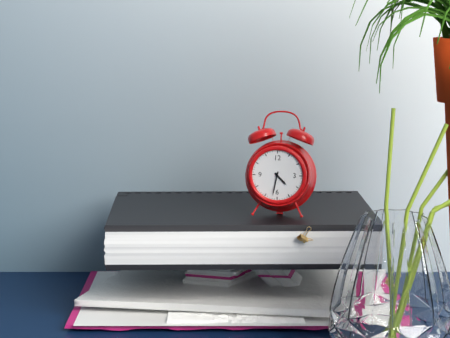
4.32
